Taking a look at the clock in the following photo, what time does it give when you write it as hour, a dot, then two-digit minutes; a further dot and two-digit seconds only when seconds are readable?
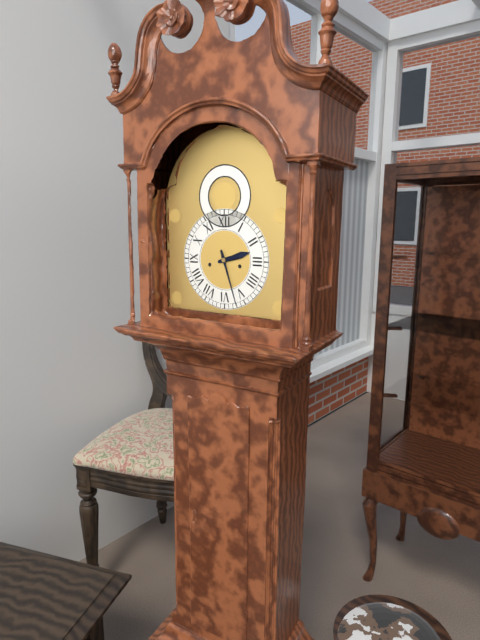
2.27
